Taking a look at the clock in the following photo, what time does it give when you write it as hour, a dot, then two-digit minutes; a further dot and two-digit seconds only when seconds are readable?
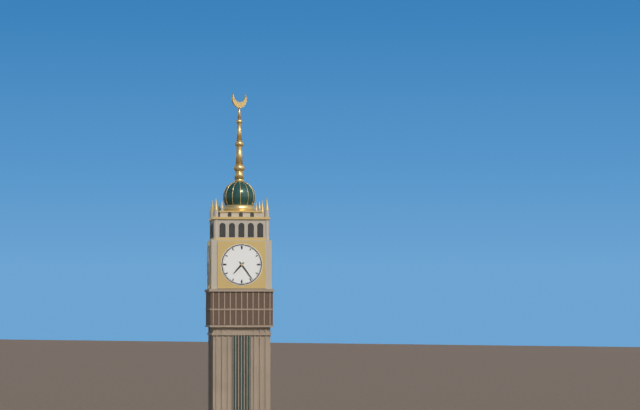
7.24
